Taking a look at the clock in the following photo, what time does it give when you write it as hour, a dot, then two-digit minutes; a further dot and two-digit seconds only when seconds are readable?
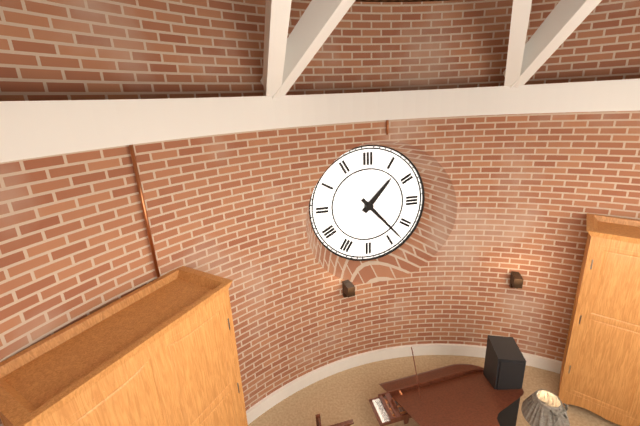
1.23
